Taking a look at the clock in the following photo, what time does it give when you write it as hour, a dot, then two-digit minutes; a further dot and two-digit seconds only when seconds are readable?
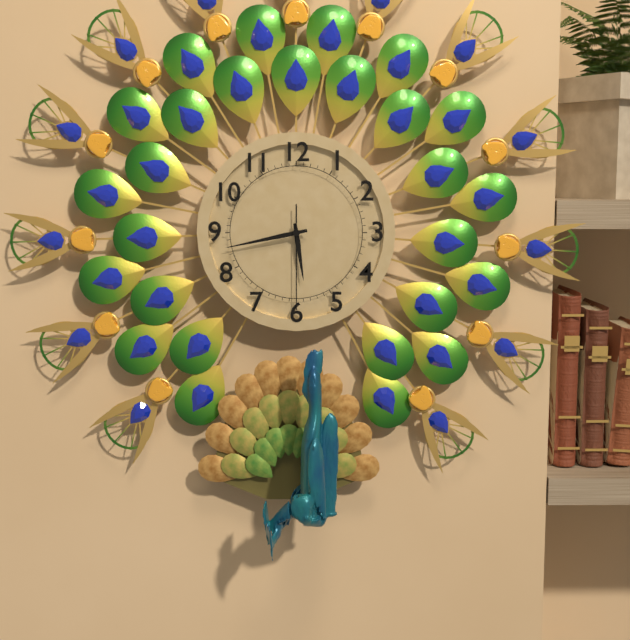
5.43.30
